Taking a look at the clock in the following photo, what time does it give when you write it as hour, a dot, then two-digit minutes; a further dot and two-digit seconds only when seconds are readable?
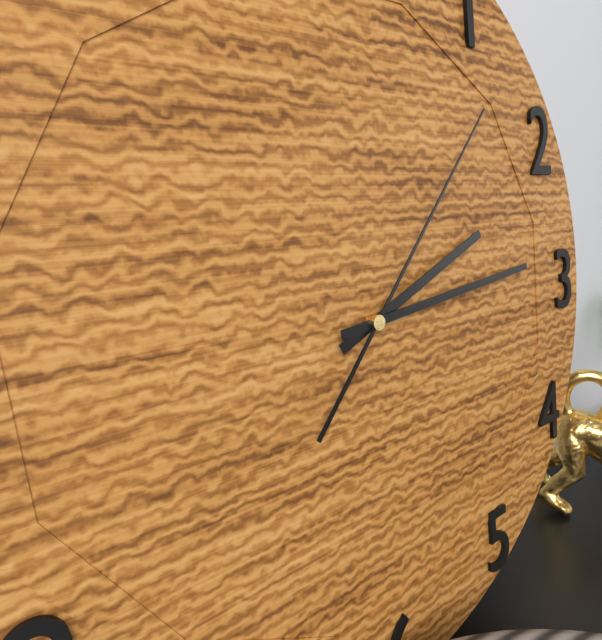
2.14.07
